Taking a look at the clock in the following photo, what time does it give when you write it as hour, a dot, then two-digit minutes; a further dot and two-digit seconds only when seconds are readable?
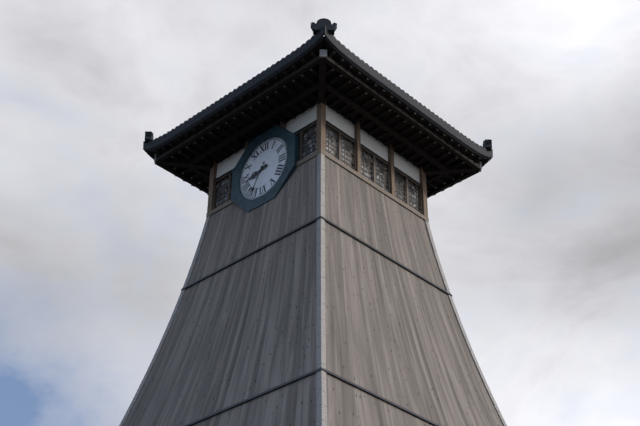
8.35
